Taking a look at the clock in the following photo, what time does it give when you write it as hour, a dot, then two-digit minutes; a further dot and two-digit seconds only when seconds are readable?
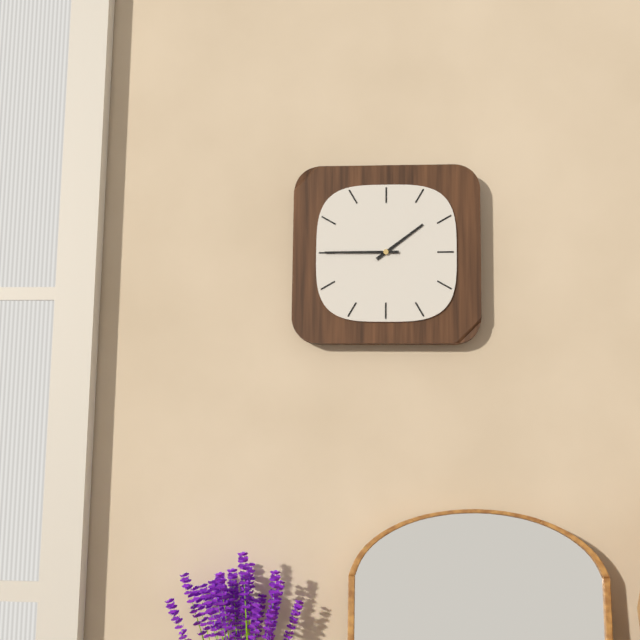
1.45
